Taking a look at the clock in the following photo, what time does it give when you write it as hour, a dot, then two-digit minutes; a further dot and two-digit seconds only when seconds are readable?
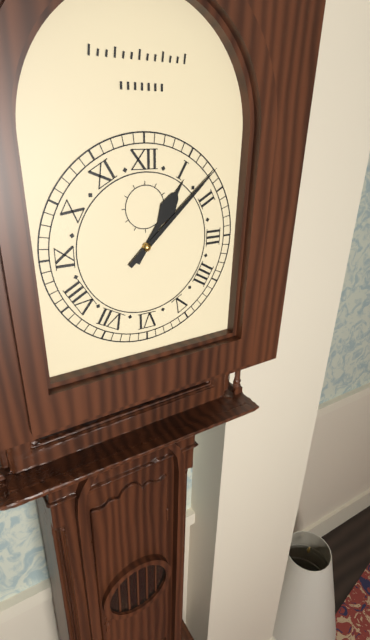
1.08
